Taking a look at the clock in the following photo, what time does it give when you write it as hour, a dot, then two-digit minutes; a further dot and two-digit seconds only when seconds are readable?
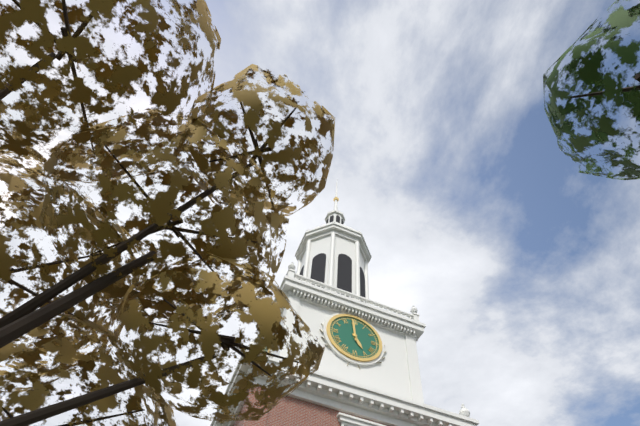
4.59
